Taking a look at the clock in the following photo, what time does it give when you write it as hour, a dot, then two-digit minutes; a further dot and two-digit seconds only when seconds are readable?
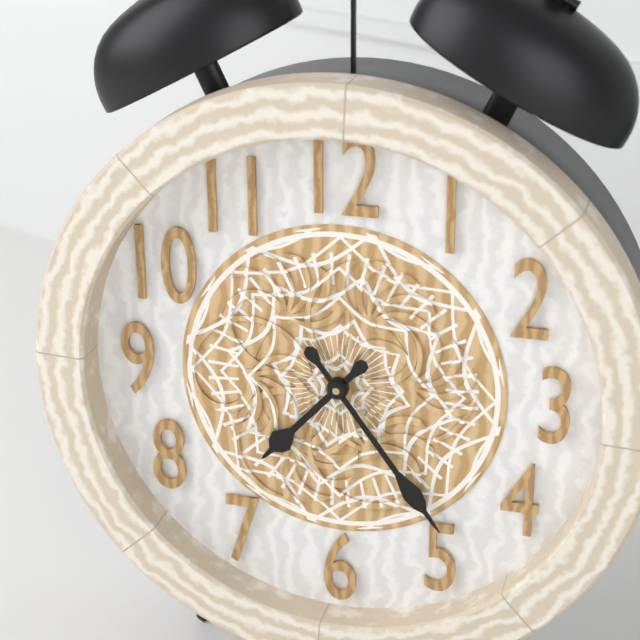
7.24
